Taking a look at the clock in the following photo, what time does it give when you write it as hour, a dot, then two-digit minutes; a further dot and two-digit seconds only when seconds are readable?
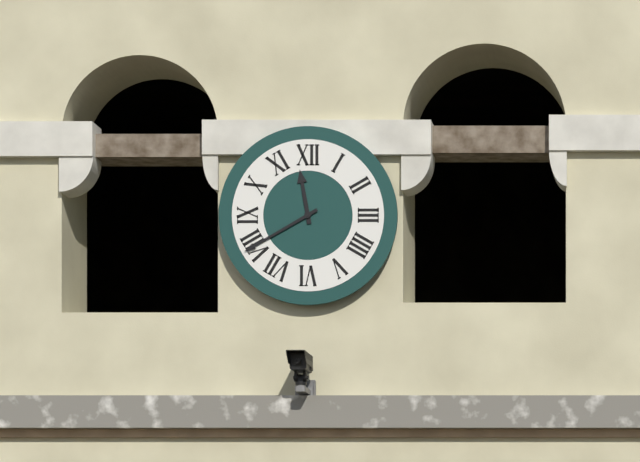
11.40
